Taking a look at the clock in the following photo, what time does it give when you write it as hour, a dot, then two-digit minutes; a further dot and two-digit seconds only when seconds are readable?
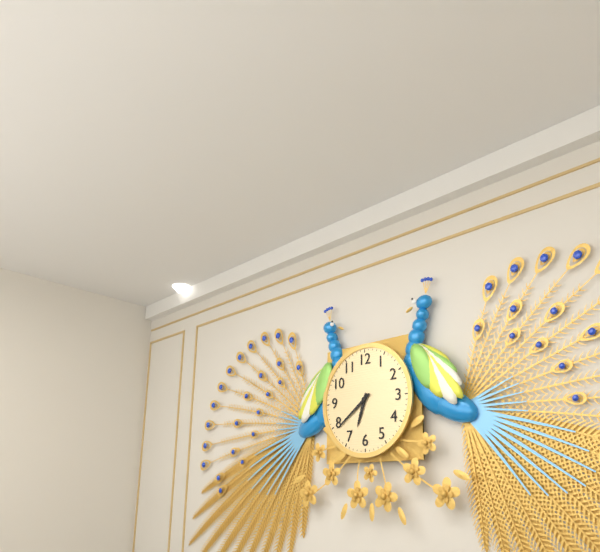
6.39
